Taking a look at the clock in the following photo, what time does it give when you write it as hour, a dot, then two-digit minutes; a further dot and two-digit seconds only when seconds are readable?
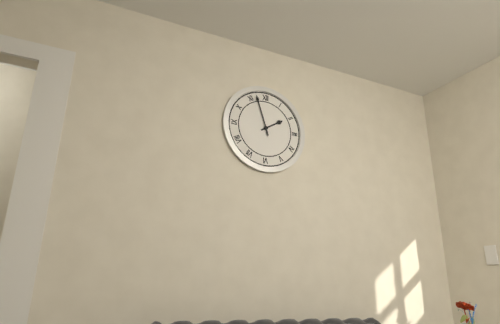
1.57
